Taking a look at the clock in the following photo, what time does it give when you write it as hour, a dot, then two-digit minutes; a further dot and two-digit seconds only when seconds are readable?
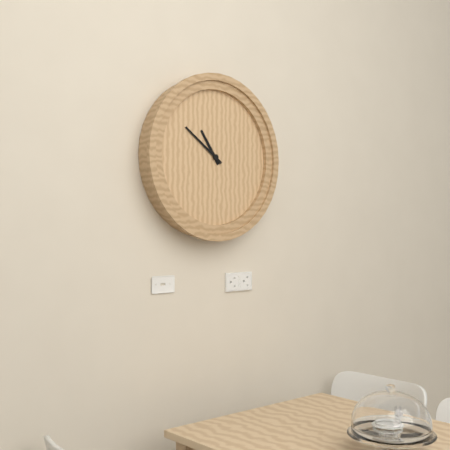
10.51
